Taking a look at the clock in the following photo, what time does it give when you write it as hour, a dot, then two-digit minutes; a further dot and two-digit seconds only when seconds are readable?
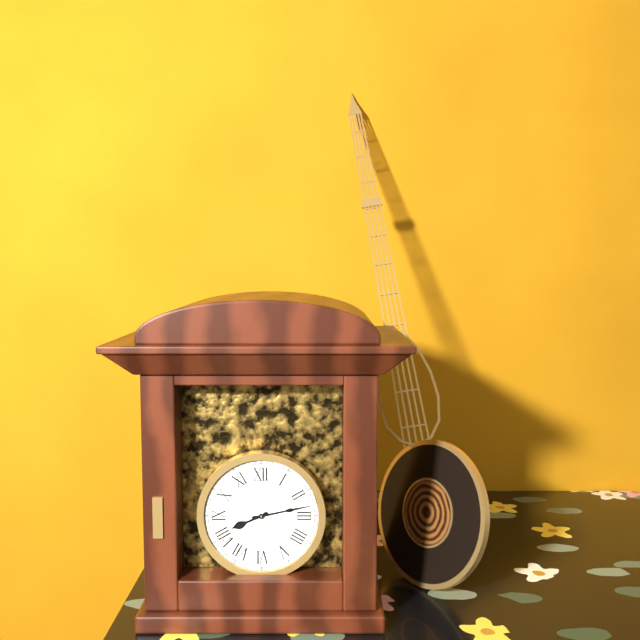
8.13
